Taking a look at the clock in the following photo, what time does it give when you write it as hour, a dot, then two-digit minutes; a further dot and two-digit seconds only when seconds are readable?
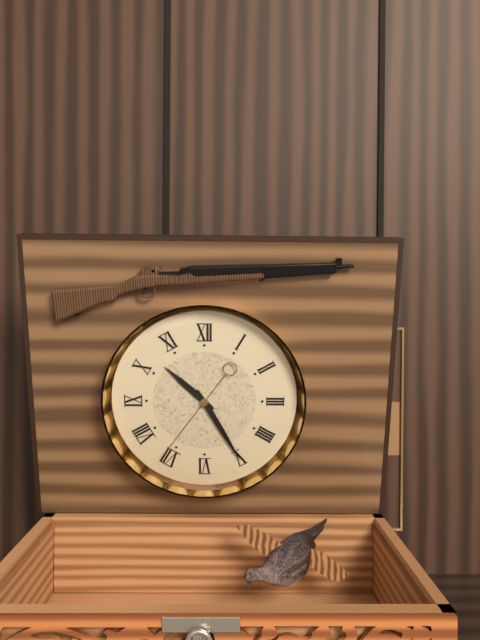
10.25.36
